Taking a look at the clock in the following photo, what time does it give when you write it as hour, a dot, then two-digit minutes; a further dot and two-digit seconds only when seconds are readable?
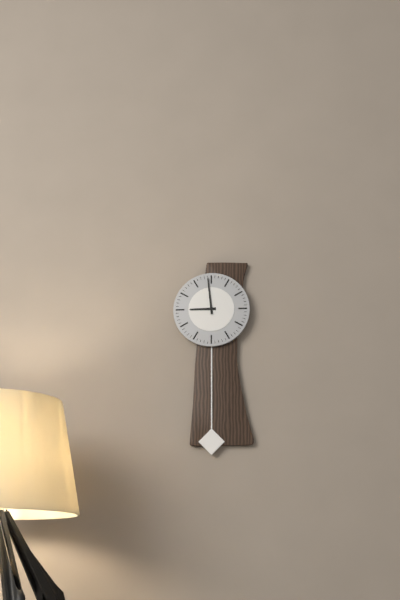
8.59
